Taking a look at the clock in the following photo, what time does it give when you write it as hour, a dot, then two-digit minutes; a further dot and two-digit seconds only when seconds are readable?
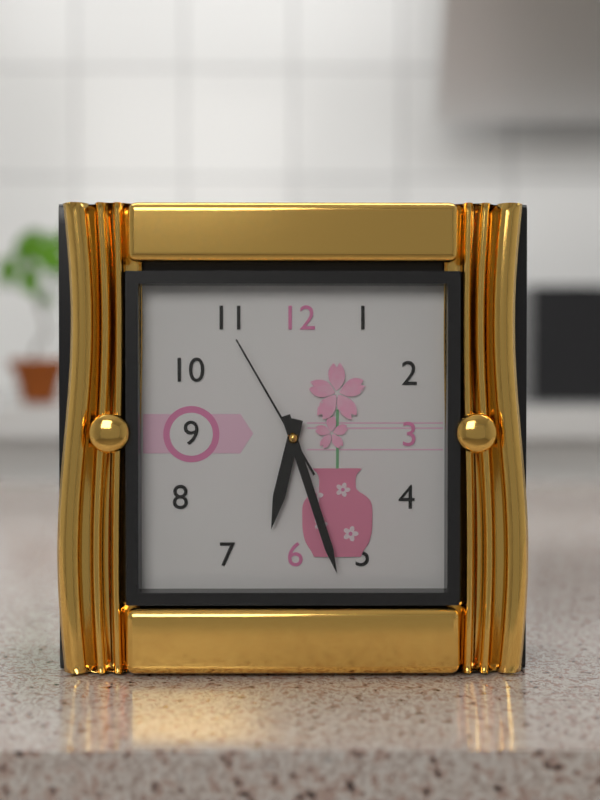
6.27.55
